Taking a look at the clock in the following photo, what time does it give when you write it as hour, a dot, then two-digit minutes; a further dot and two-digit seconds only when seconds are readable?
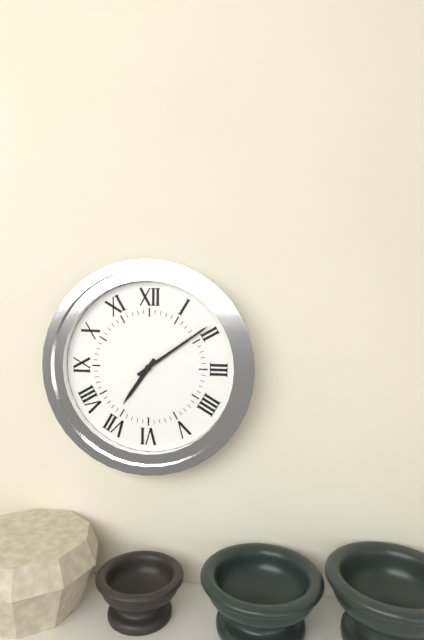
7.09
